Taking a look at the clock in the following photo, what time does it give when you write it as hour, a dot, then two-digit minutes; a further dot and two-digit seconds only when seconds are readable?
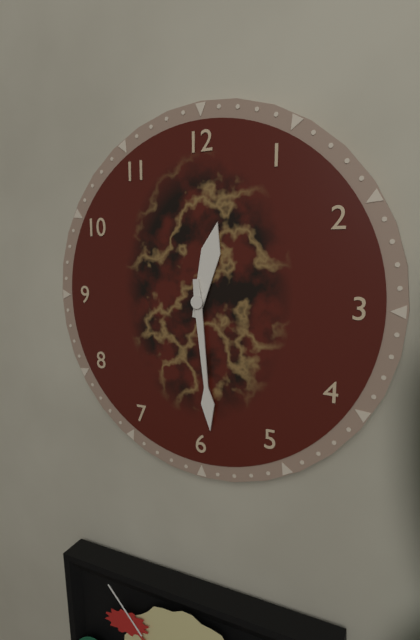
12.29
